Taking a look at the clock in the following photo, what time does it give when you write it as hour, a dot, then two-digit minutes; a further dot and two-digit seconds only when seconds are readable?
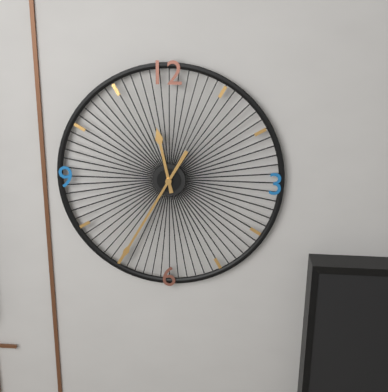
11.35
